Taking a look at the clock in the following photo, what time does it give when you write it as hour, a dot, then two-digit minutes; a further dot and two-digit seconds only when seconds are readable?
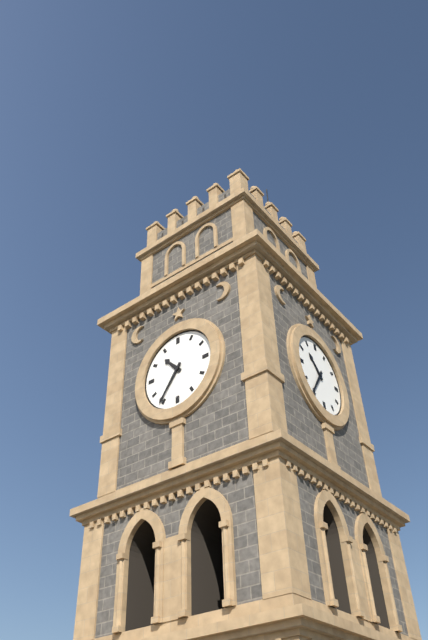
10.36
